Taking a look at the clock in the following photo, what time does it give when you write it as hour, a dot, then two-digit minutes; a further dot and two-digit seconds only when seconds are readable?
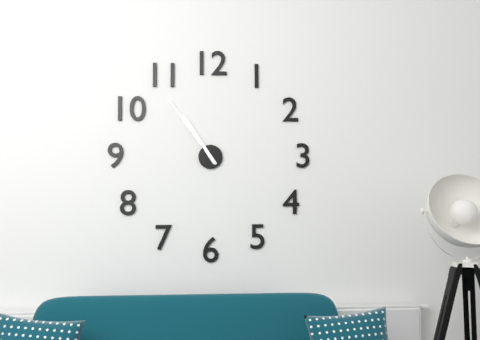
10.54
